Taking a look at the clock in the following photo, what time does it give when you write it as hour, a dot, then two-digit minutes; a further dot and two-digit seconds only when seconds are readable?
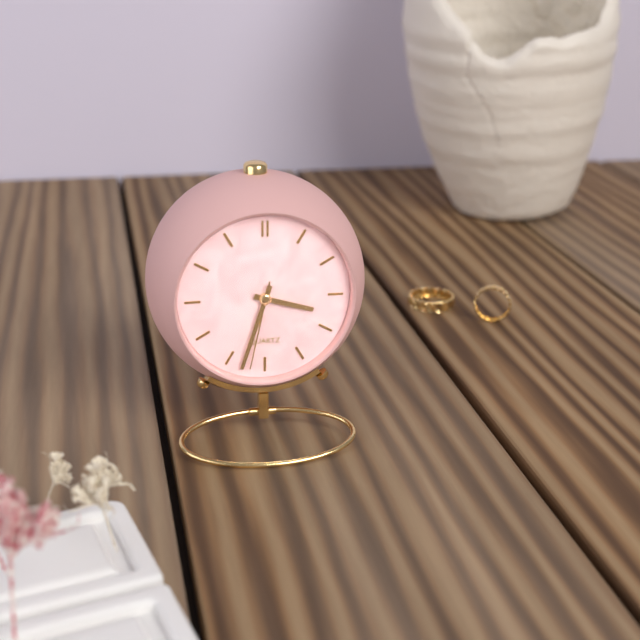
3.33.32
